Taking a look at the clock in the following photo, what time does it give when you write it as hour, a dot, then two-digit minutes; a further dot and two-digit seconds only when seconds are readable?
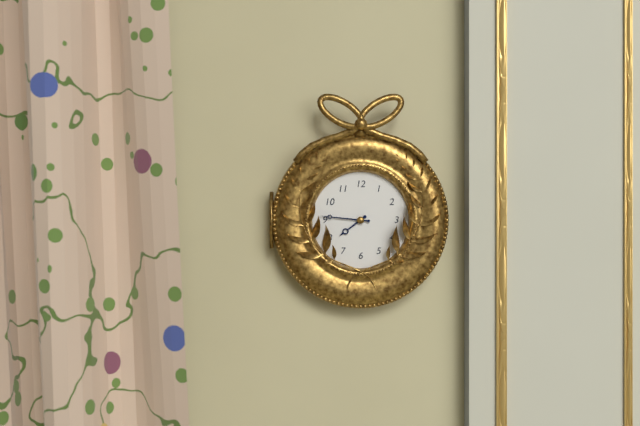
7.46
